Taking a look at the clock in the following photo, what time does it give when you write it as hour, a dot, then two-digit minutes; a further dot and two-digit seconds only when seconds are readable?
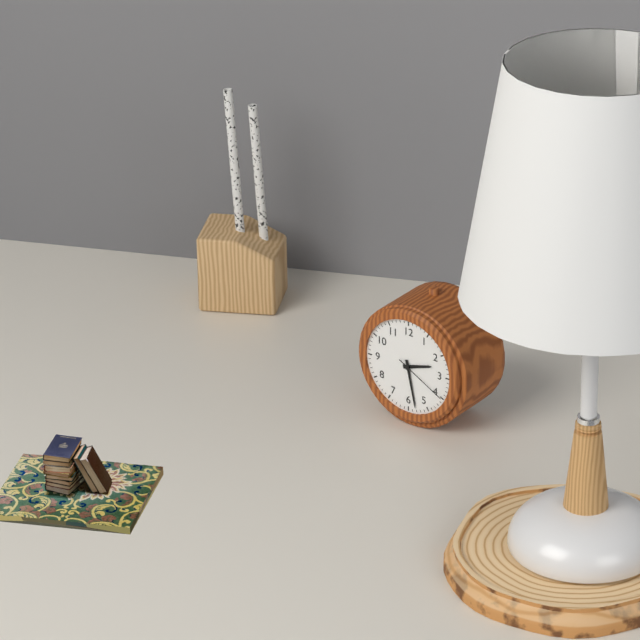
2.28.20
